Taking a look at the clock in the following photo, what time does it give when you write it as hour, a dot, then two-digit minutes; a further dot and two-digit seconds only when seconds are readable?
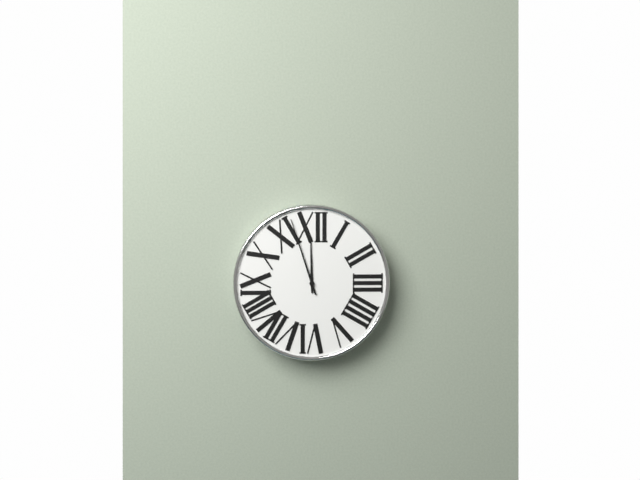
11.57
